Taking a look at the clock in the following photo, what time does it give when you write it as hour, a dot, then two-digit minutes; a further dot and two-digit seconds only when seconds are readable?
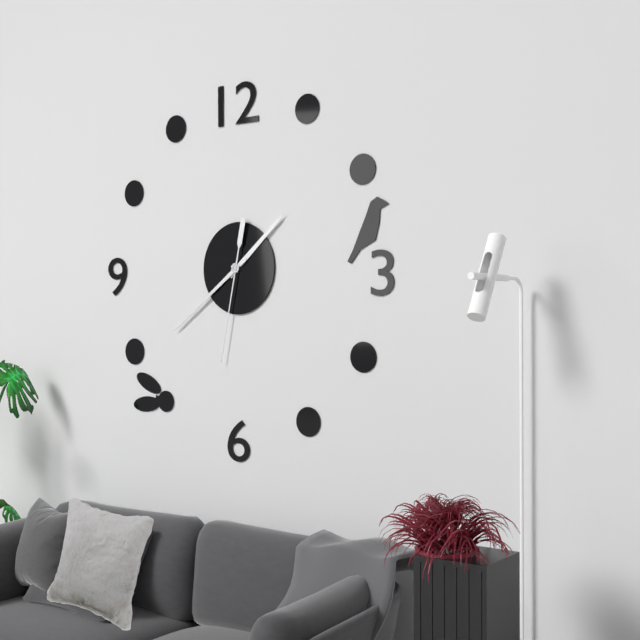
1.39.32
